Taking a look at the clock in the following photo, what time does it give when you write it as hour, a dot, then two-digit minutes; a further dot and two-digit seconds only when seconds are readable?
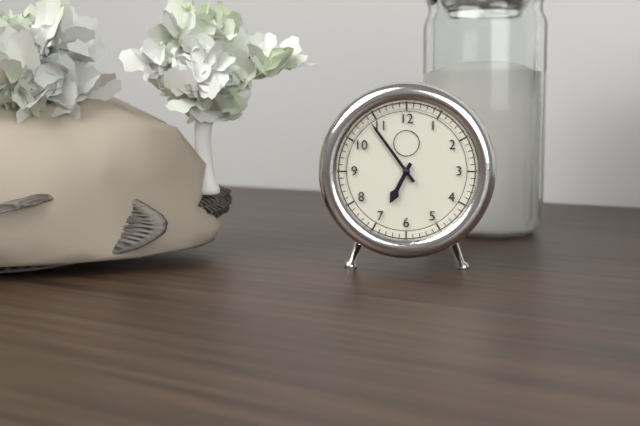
6.54
